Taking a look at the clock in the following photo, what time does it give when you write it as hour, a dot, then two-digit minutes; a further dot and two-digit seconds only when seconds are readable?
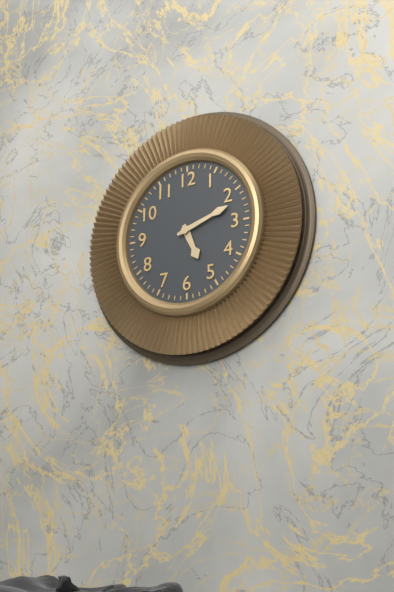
5.12
